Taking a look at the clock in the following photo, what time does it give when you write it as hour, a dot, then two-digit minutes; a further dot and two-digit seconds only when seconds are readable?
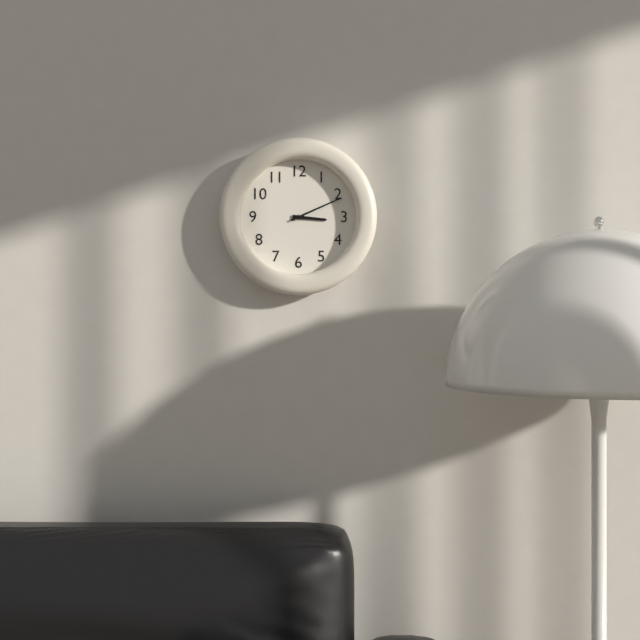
3.11
